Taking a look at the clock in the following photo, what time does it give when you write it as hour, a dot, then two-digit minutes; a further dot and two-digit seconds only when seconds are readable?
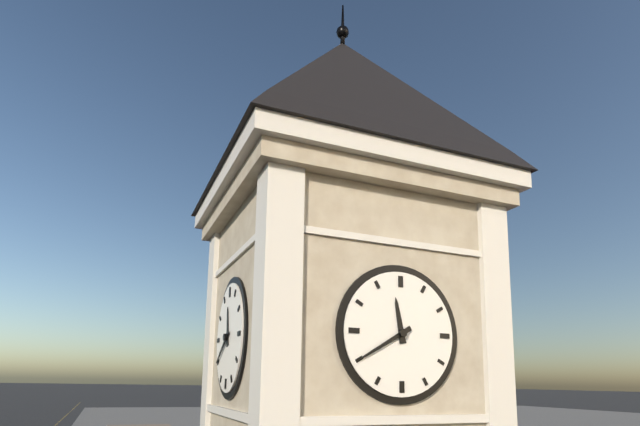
11.40
